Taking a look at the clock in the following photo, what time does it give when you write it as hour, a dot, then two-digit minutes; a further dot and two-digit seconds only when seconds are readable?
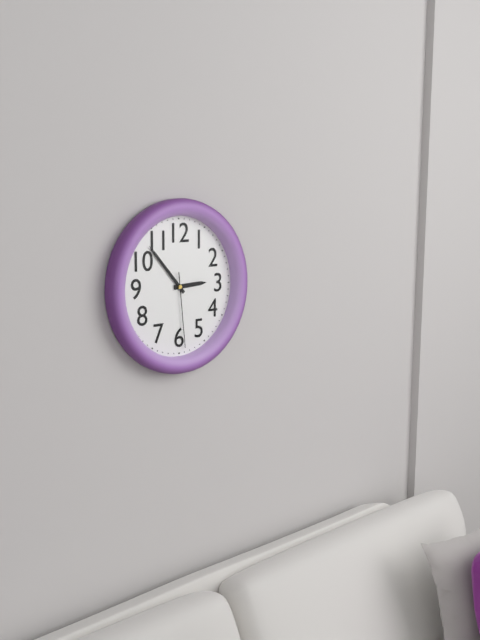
2.53.29
